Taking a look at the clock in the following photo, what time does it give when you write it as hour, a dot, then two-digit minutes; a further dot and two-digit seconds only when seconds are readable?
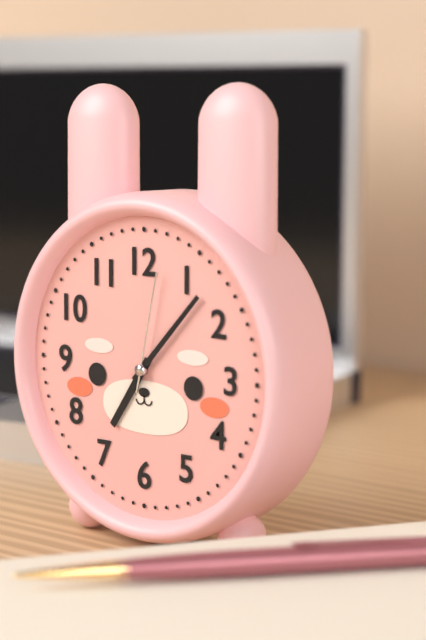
7.07.02
